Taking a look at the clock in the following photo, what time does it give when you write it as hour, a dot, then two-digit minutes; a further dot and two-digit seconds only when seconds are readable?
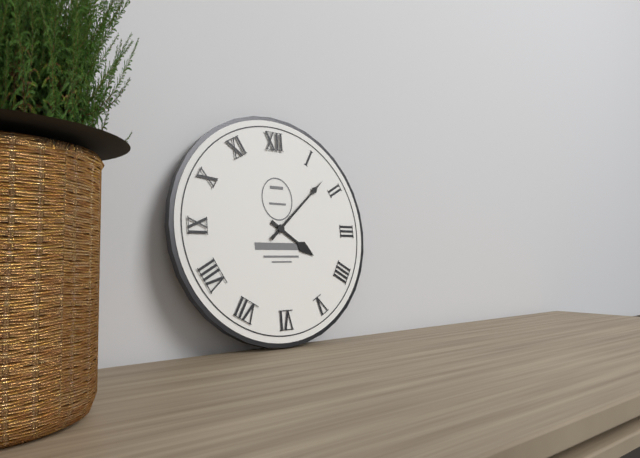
4.08
